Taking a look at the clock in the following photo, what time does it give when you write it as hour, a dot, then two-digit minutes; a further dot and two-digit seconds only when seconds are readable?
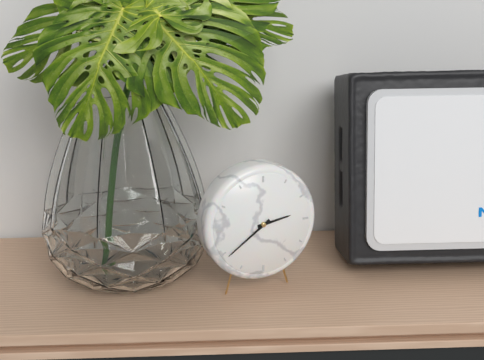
2.39
